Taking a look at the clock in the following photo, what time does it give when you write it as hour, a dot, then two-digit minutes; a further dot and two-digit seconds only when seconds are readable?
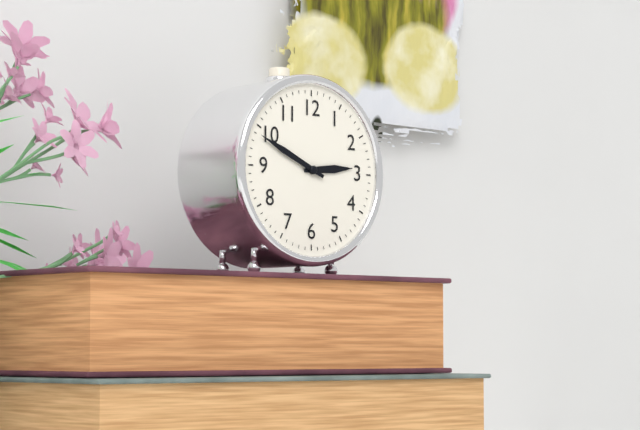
2.49
